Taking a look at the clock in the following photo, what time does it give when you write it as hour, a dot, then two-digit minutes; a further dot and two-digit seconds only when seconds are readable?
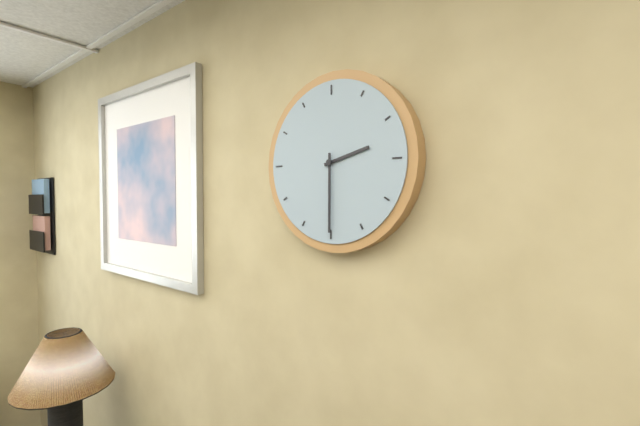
2.30
